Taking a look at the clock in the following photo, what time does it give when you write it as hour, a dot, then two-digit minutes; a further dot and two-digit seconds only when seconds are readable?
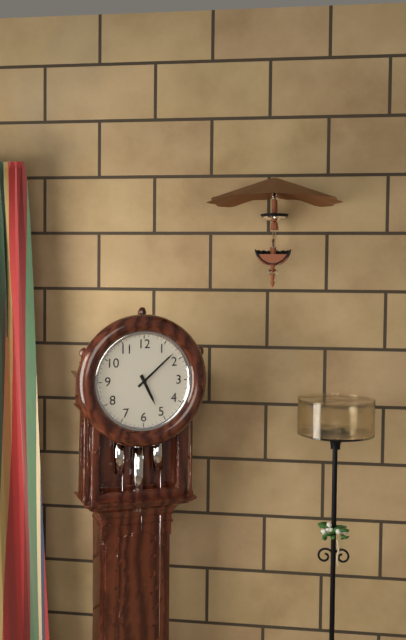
5.08
